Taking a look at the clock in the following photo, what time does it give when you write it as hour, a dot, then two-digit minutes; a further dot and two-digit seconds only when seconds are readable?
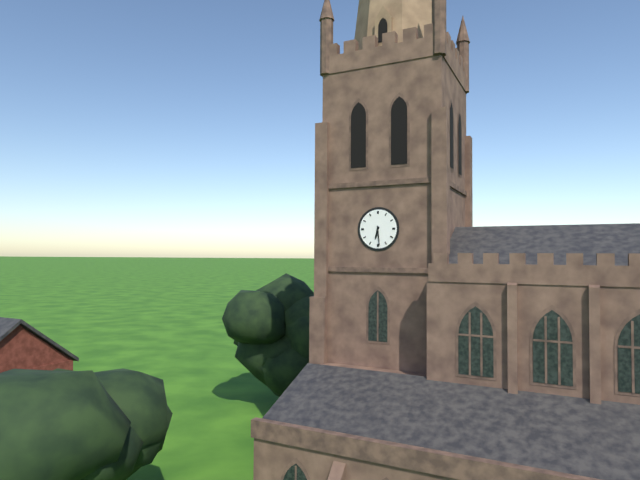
6.29
